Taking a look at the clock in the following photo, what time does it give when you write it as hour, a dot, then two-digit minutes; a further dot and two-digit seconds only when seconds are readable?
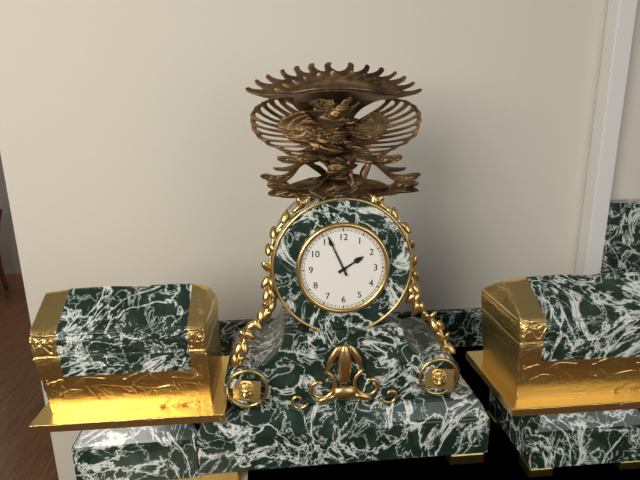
1.56
